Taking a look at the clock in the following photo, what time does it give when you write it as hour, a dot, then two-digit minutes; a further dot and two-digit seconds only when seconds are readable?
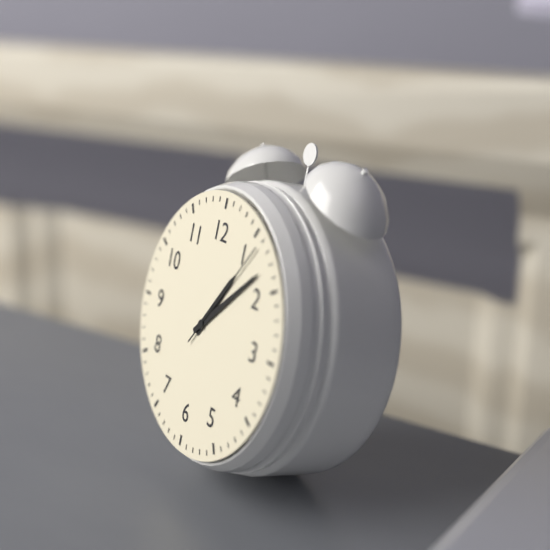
1.08.06
